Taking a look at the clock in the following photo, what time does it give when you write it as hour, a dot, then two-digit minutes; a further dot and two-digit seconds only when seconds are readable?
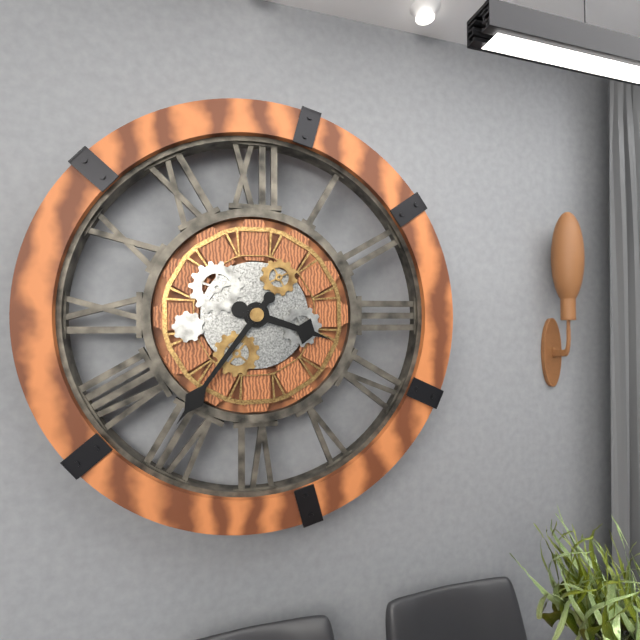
3.36
